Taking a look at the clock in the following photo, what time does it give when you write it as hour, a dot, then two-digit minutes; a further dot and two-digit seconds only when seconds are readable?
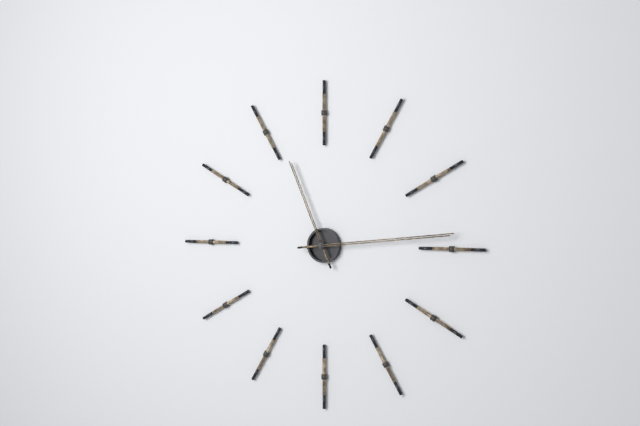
11.14
